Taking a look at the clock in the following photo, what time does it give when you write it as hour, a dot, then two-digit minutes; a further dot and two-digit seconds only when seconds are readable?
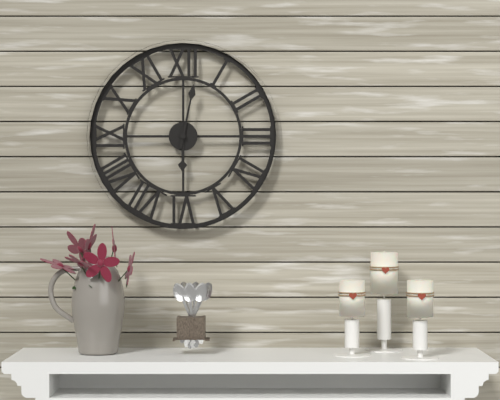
6.02
